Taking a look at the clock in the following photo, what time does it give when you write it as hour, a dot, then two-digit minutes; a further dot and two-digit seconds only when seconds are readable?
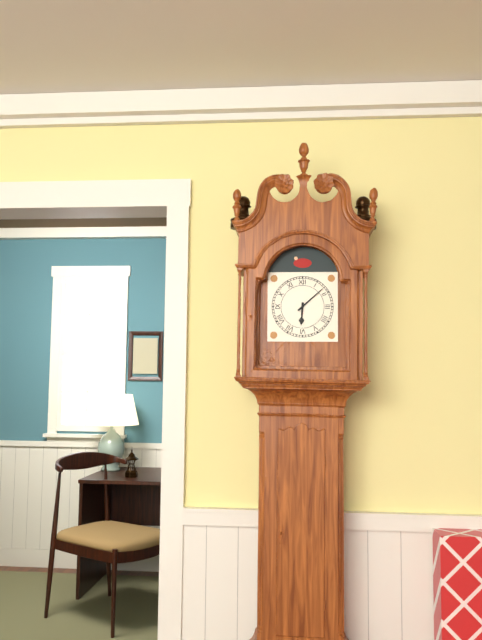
6.08
